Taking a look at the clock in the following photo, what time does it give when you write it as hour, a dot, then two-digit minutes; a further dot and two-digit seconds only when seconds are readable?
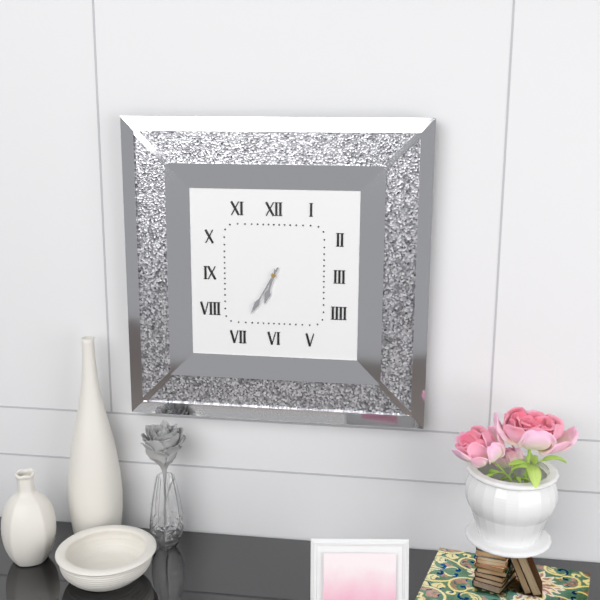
6.35
